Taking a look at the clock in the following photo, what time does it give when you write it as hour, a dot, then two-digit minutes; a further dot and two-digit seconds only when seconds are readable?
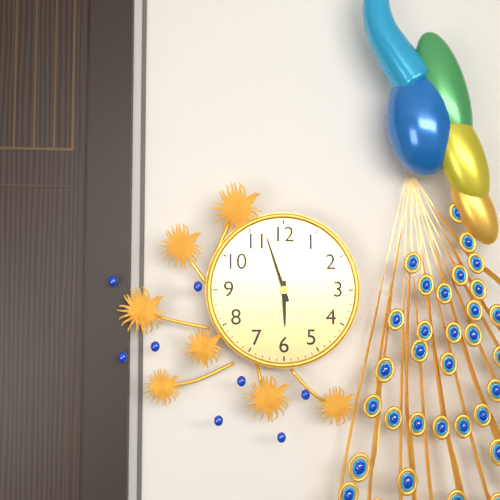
5.57
